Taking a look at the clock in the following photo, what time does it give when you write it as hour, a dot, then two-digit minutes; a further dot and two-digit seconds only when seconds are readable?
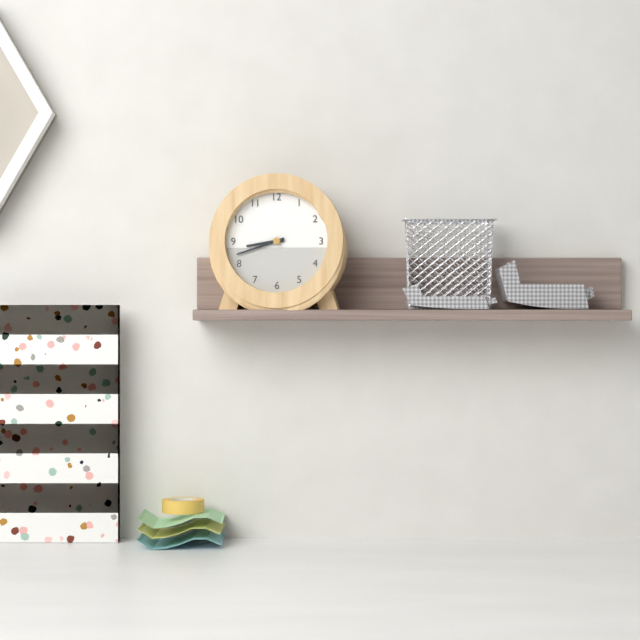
8.42
